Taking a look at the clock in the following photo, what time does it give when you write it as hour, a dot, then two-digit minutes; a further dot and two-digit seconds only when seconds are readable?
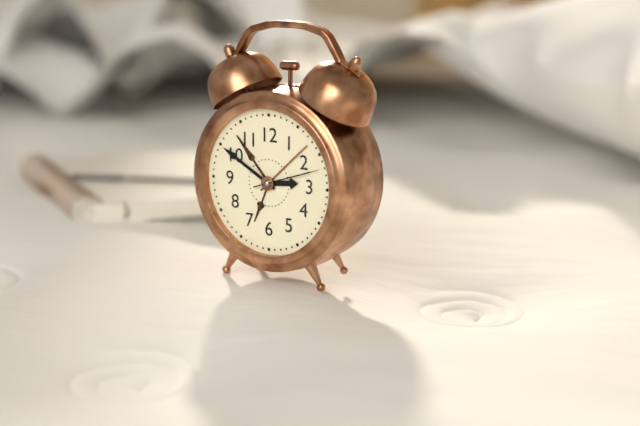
2.50.12
